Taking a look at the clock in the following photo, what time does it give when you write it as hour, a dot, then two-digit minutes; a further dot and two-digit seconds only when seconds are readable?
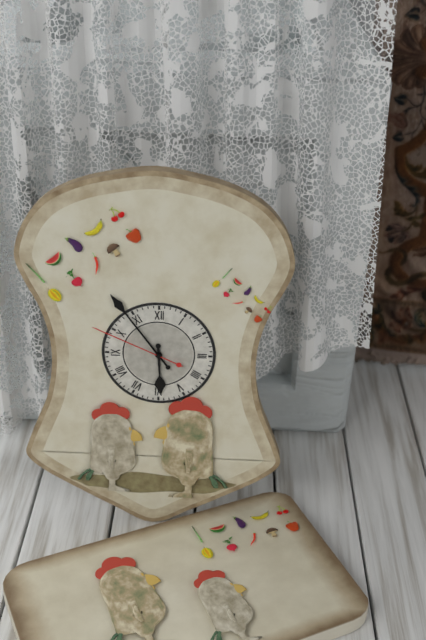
5.54.49
